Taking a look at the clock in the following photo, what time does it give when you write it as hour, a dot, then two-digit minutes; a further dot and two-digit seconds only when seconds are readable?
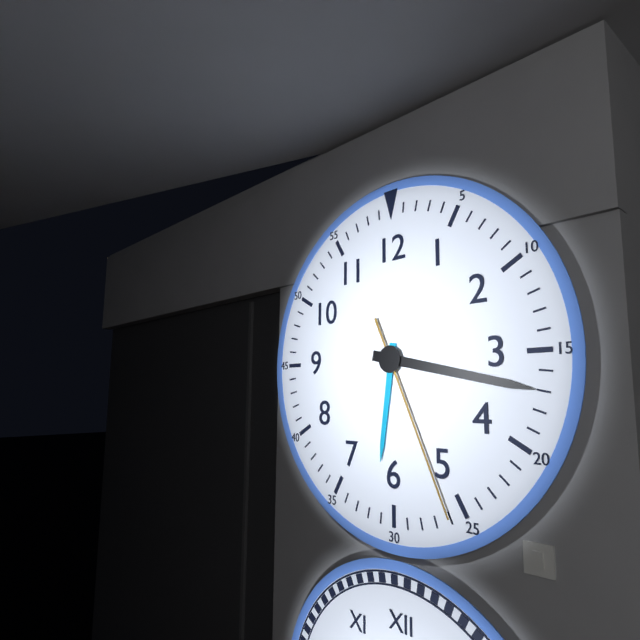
6.17.26
